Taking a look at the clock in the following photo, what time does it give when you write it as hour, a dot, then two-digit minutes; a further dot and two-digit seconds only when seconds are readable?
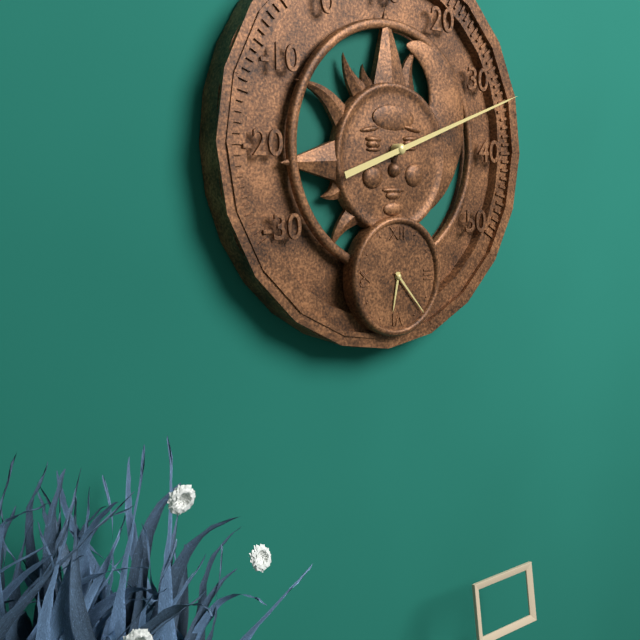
6.23
